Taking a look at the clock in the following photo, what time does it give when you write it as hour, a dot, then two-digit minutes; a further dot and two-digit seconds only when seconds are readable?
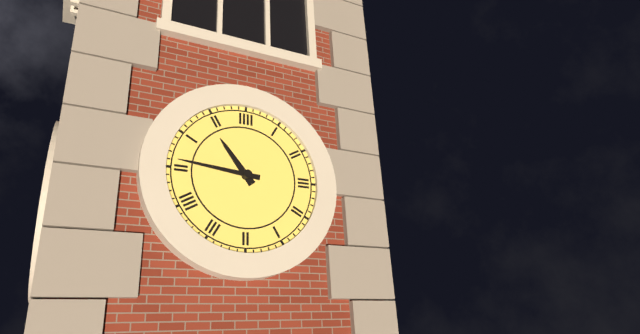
10.46
